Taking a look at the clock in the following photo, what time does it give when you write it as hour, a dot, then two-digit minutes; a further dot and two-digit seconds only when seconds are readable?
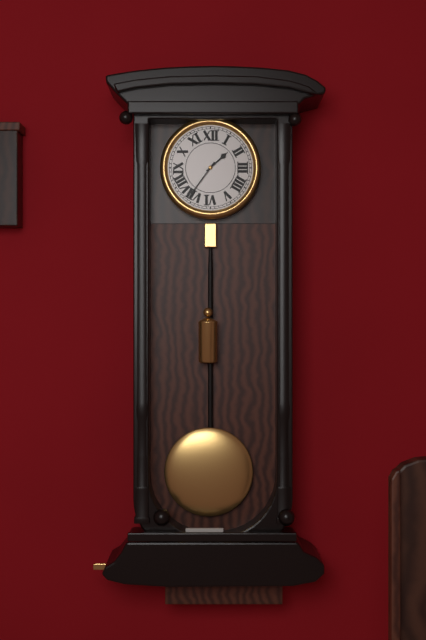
1.36
